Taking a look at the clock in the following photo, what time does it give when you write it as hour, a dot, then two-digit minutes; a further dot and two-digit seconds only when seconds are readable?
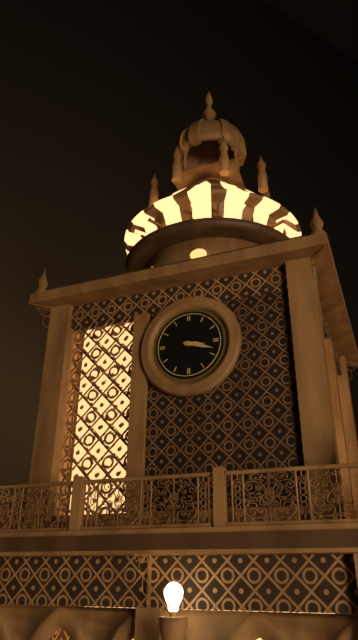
3.18
